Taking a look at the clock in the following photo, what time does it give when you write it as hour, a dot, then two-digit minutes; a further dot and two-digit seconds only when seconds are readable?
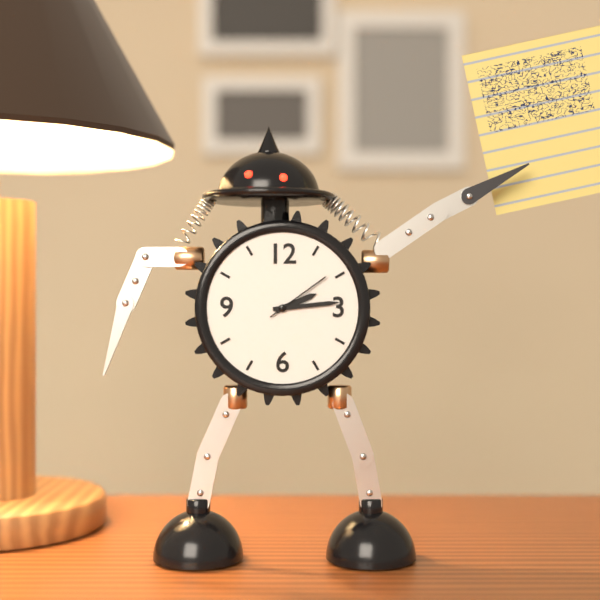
2.14.09
